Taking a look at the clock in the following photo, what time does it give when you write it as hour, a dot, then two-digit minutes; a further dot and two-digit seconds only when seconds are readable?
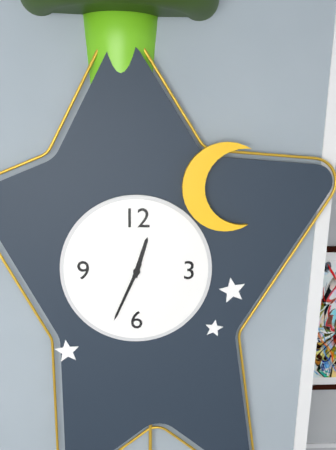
12.34
